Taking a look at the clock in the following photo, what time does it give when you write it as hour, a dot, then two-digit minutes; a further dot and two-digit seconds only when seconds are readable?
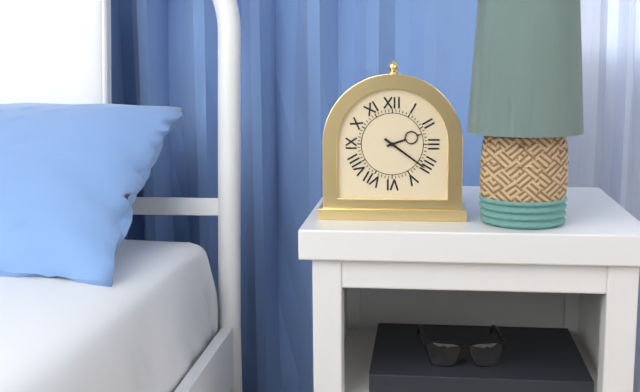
2.21
